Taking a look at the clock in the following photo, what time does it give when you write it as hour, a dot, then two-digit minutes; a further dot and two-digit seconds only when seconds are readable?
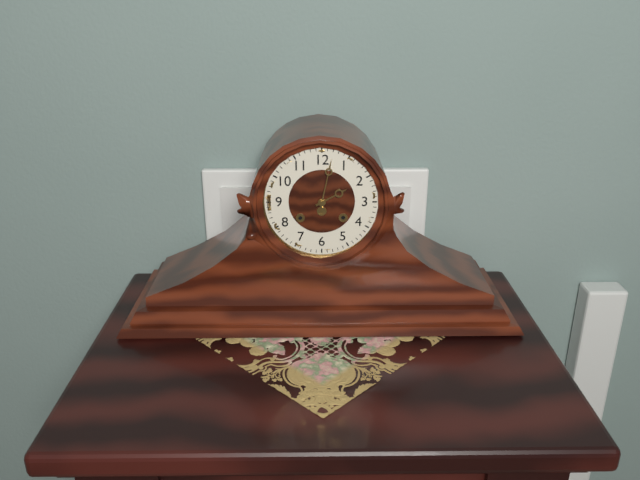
2.02
